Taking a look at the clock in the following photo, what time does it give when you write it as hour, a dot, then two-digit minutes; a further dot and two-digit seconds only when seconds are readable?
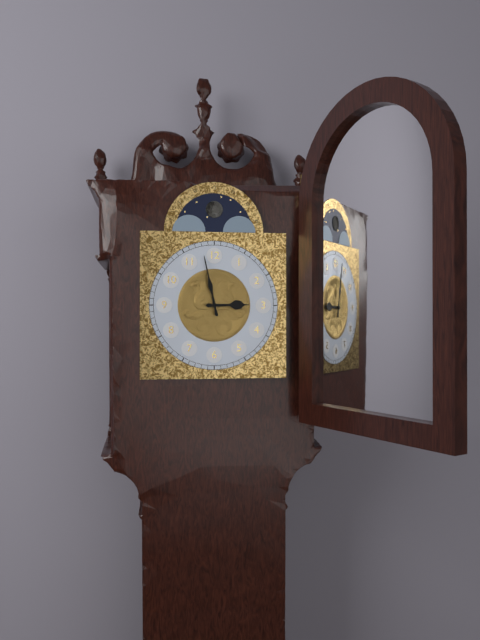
2.58
